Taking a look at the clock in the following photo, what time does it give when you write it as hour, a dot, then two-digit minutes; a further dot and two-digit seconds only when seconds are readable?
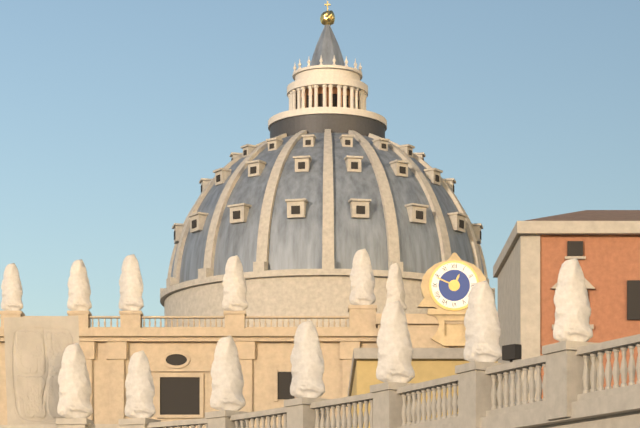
12.49
